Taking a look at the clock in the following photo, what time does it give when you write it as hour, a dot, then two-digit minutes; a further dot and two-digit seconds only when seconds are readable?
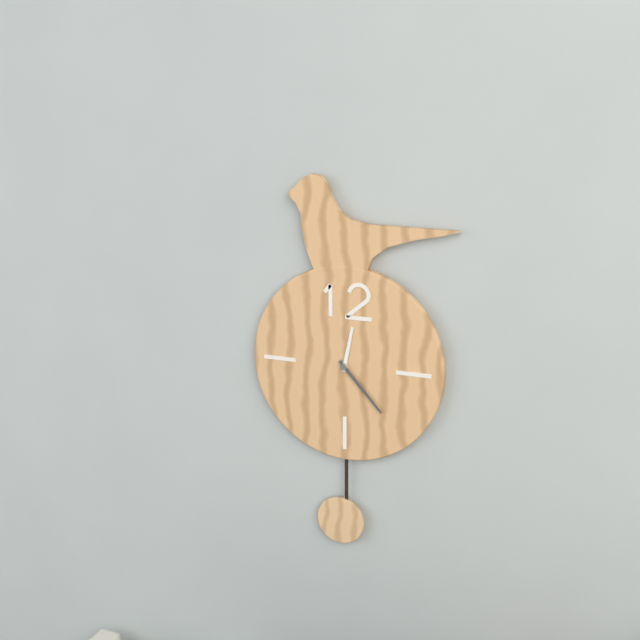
12.23
